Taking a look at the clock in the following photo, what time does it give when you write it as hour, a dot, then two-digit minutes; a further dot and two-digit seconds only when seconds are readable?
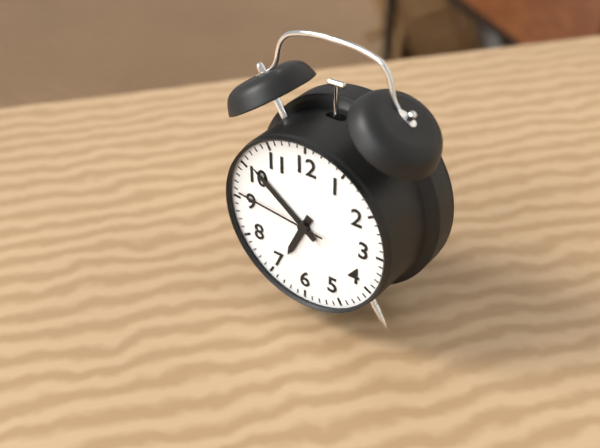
6.51.46
